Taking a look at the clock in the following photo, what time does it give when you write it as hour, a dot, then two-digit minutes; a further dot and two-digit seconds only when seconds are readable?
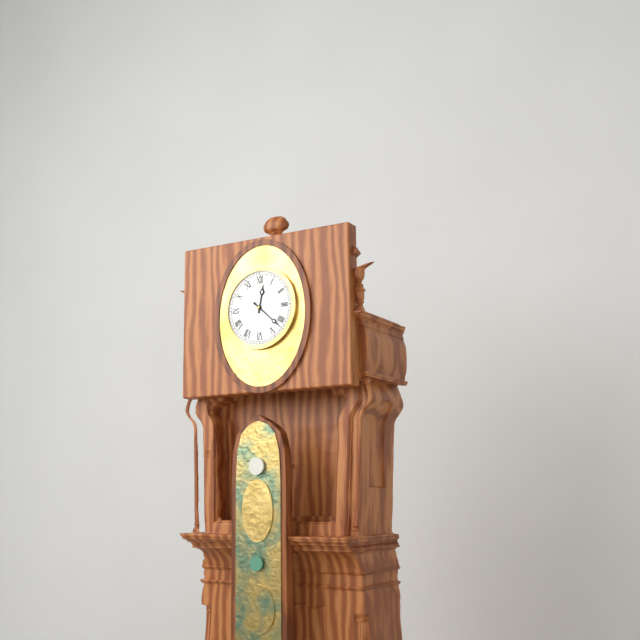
12.22
